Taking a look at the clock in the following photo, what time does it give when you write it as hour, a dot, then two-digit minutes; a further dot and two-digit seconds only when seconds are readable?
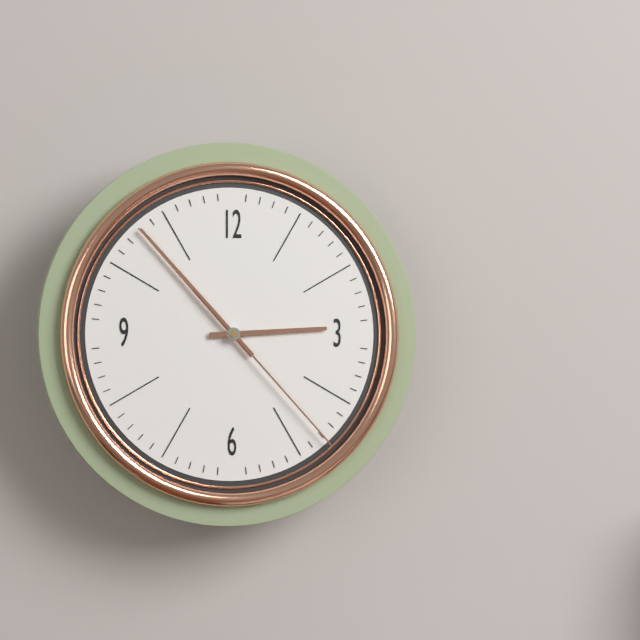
2.53.23
